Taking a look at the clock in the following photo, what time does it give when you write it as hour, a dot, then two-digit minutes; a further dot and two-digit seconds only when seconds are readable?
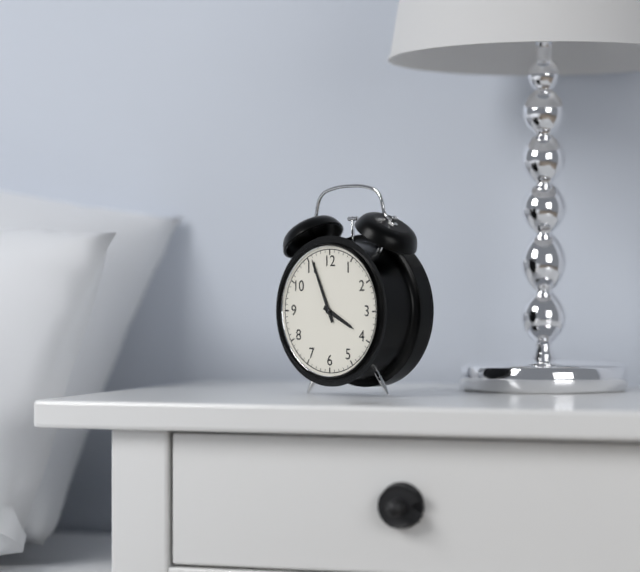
3.56
